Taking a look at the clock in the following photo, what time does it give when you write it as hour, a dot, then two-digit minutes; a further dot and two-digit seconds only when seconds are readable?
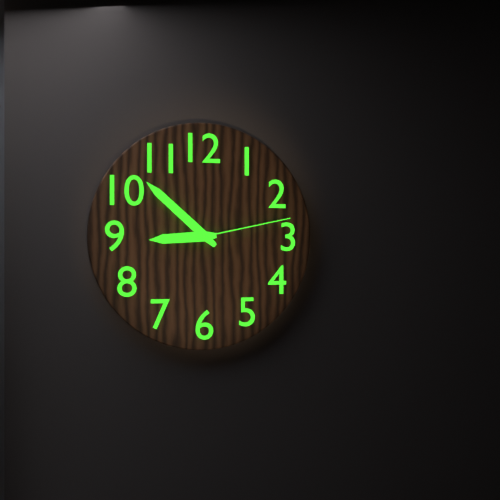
8.52.13
